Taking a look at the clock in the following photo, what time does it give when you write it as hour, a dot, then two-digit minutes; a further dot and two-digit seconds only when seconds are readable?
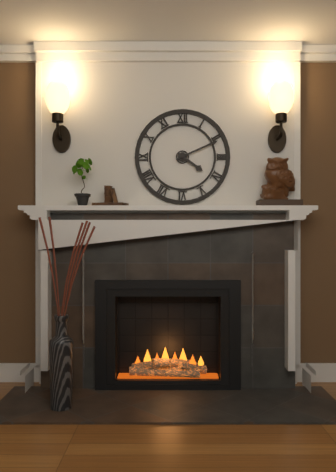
4.11
